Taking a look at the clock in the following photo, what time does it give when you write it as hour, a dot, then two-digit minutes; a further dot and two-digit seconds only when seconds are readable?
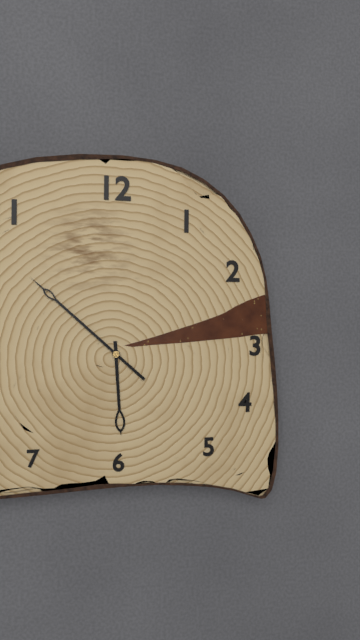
5.52
